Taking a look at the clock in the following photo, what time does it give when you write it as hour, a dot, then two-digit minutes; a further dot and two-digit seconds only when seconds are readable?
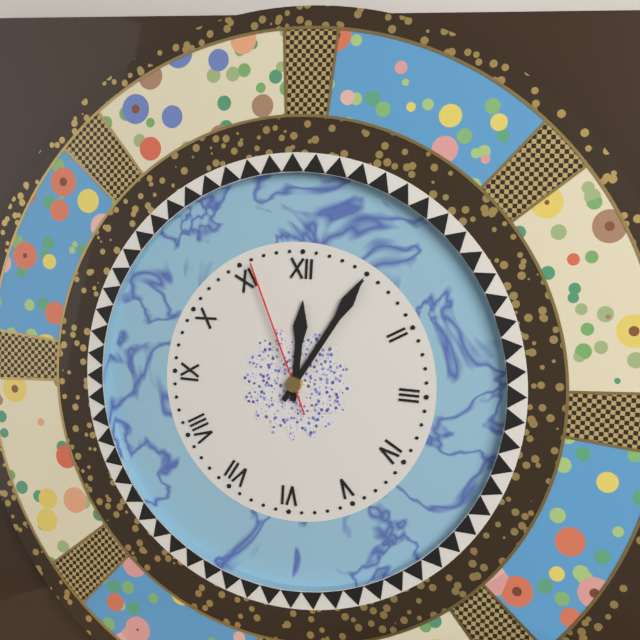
12.05.56
